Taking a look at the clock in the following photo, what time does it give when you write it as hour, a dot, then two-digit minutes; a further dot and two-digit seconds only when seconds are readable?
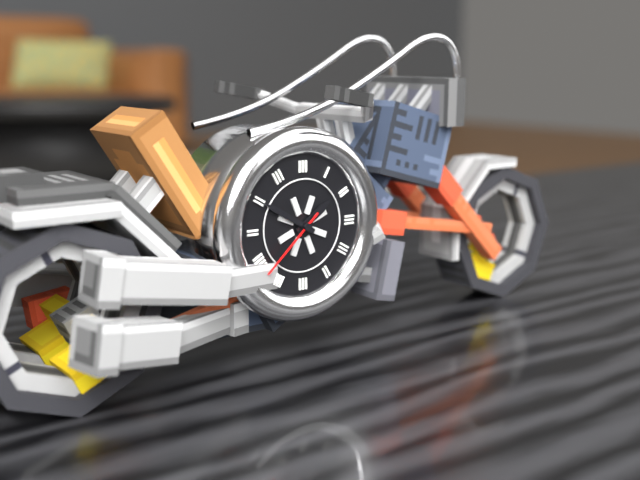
1.50.38
